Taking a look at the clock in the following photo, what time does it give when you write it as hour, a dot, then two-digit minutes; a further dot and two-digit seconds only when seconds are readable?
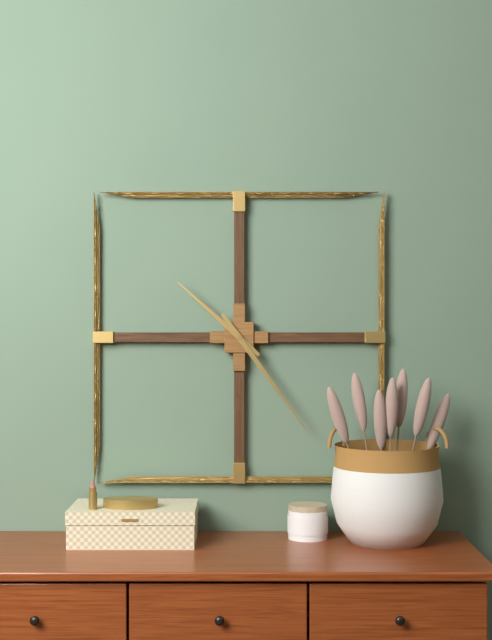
10.24
